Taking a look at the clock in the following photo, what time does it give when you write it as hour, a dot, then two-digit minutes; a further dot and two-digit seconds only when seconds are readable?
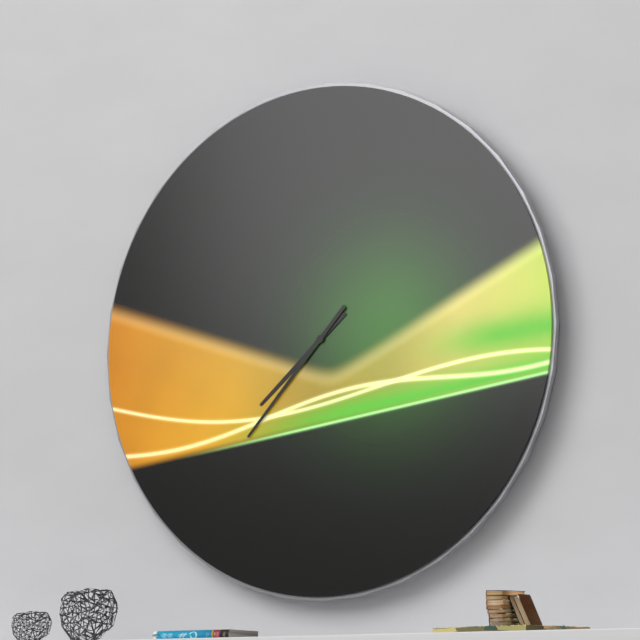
7.37
